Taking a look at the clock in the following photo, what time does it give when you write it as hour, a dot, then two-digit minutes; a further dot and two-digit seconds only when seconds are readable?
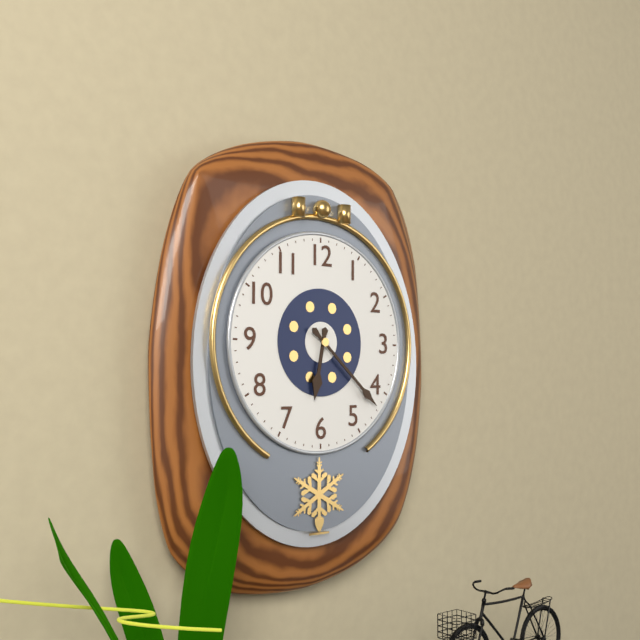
6.22
